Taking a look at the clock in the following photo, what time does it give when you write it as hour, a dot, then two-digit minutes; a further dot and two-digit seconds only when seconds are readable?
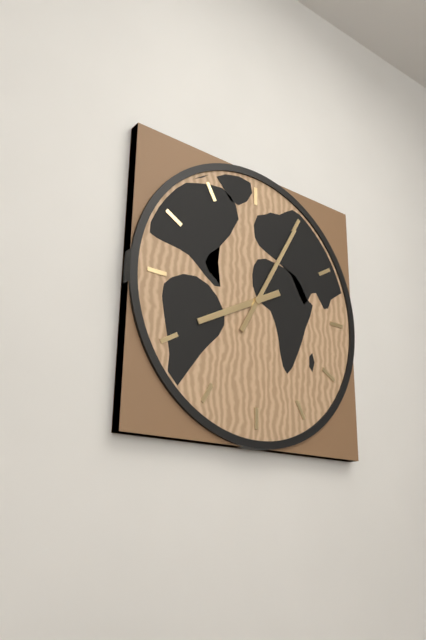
8.05
